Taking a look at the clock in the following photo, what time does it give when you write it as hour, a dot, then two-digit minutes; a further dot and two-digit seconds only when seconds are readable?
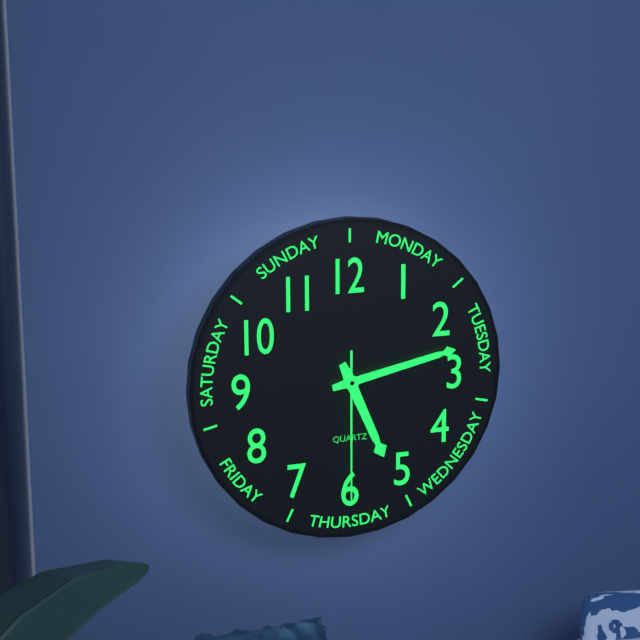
5.13.30
